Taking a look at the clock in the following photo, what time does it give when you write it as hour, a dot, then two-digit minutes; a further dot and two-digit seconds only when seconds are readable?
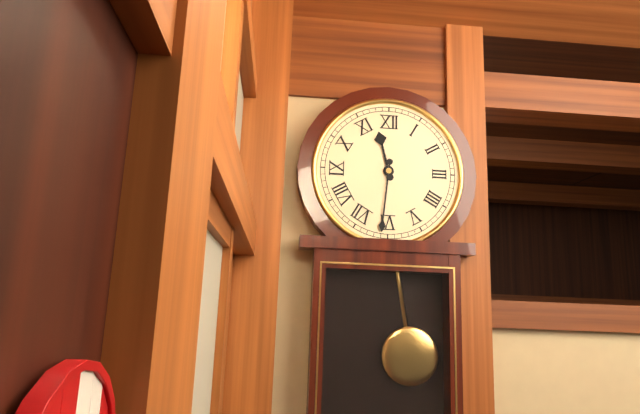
11.31
